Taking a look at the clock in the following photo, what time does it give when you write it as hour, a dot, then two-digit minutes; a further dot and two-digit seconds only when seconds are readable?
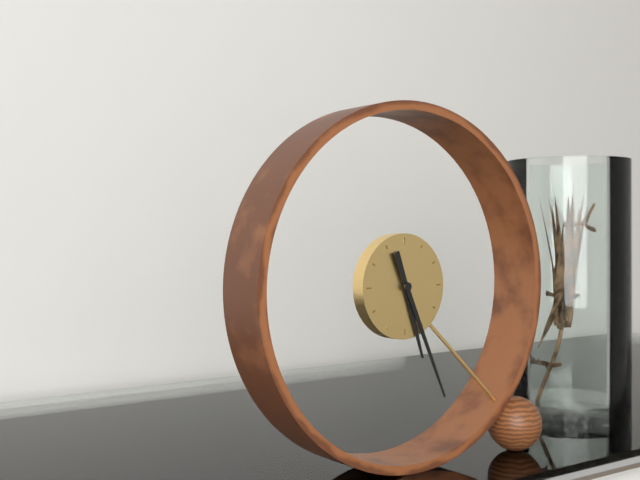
5.26
